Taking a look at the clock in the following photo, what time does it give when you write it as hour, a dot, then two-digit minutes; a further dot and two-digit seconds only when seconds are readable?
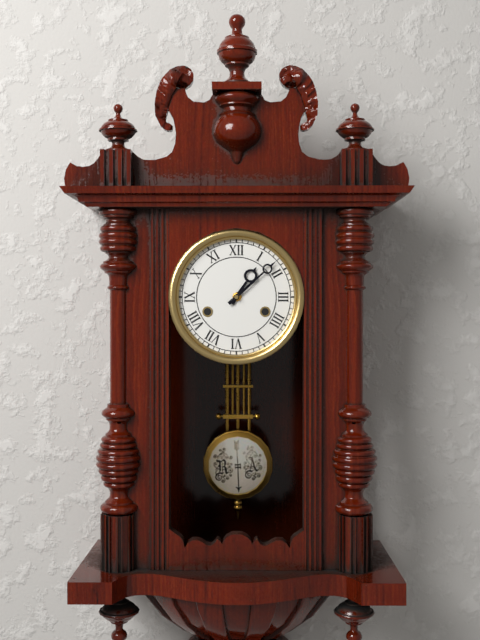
1.08
